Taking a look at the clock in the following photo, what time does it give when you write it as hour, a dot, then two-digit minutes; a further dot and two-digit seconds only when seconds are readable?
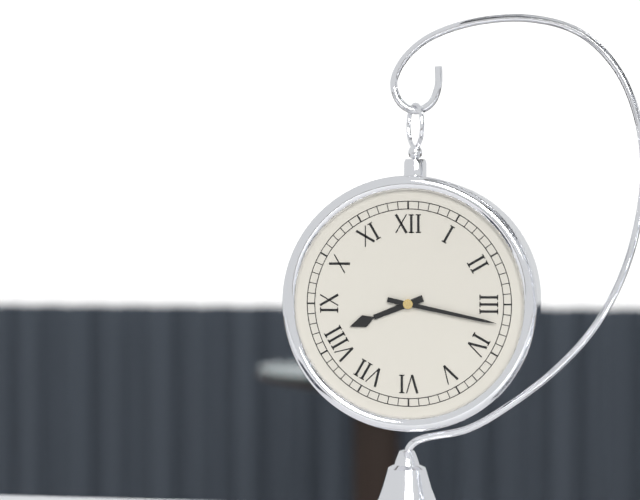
8.17
